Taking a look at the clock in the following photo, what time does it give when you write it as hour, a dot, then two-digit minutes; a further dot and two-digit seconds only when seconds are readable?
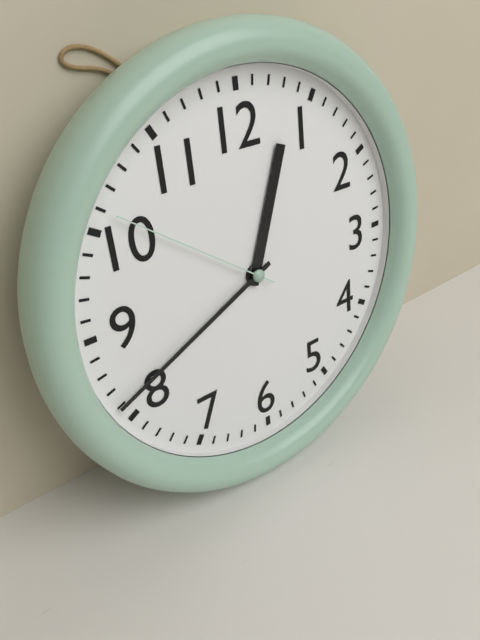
12.41.51
